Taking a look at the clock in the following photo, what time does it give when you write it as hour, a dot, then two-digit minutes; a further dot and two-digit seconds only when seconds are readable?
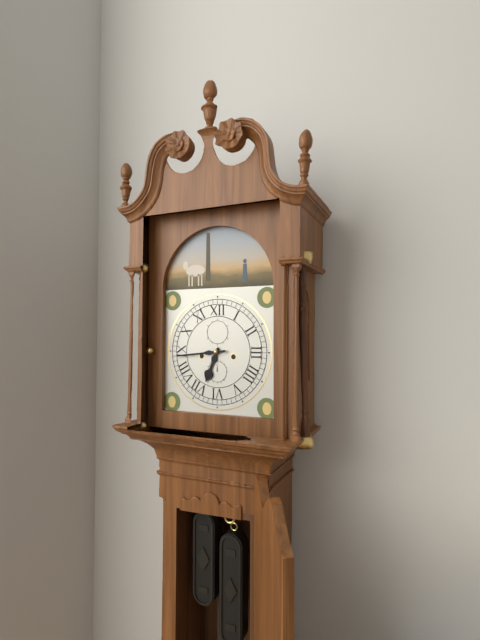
6.44
